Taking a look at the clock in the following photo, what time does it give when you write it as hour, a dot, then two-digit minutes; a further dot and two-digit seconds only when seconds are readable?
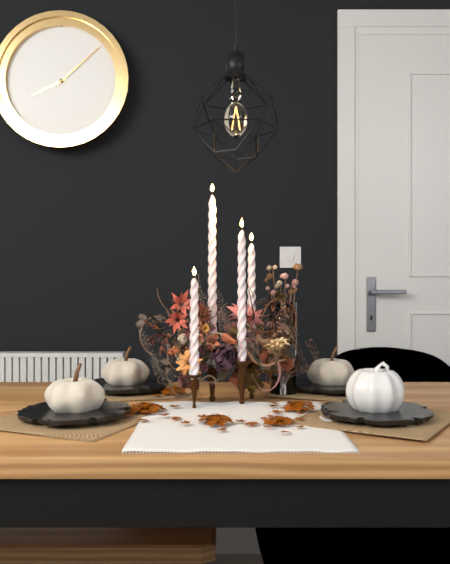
8.08
